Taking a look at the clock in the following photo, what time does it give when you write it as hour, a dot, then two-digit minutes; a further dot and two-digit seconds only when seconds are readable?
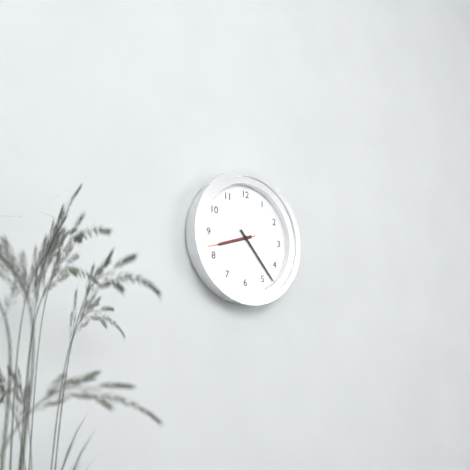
8.23.42
